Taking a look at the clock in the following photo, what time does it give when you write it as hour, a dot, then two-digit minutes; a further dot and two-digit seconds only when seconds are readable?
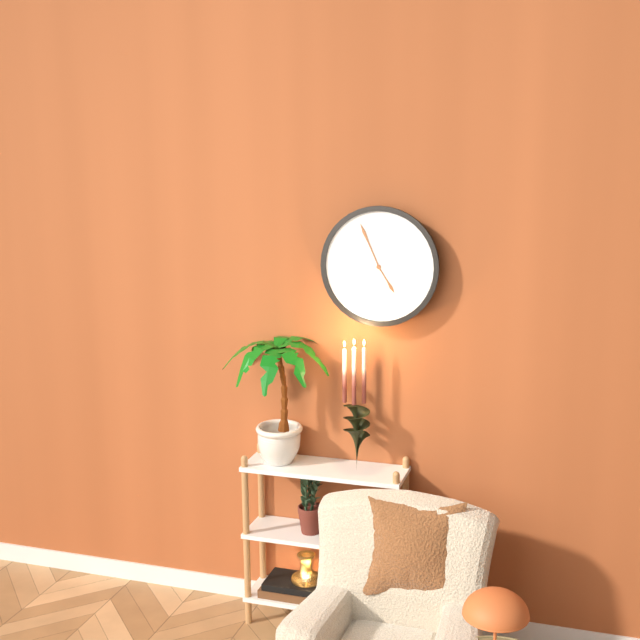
4.56
